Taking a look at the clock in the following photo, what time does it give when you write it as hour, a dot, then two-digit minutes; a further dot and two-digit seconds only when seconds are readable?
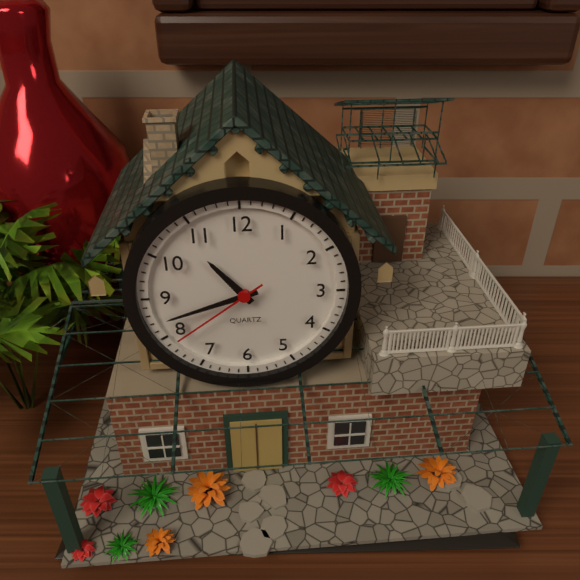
10.42.39
